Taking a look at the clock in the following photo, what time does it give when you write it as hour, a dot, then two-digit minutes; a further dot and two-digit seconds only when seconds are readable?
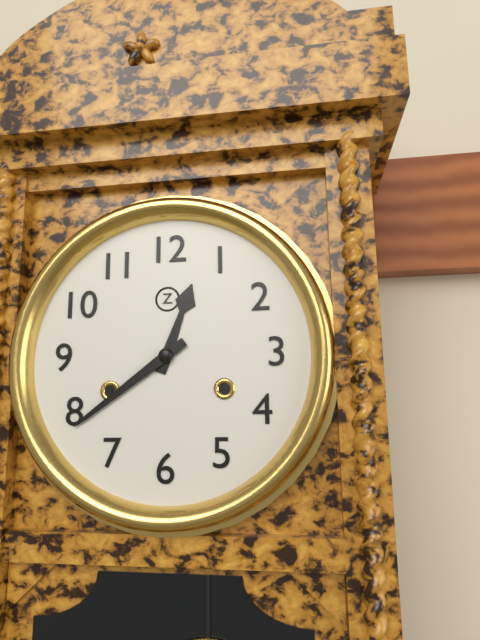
12.39
